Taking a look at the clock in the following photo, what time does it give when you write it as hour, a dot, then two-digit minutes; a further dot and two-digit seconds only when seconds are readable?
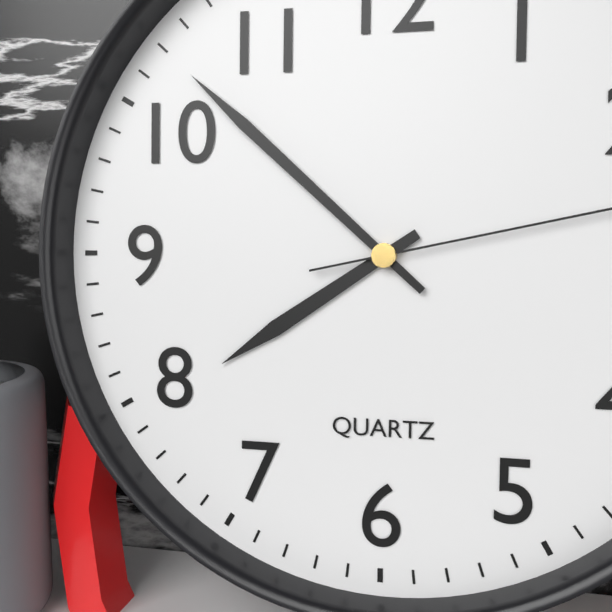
7.52
